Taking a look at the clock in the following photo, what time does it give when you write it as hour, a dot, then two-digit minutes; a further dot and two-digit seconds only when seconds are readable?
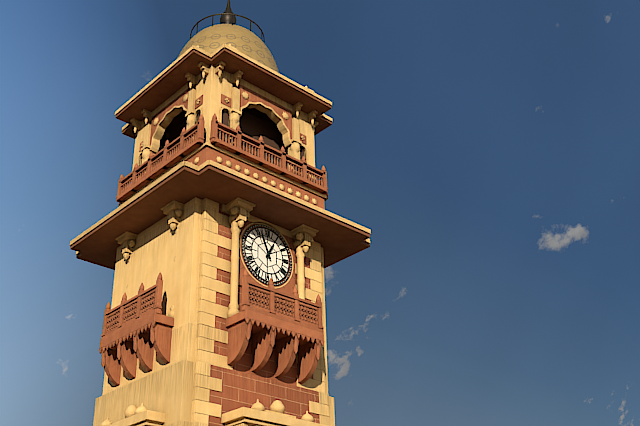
12.56
